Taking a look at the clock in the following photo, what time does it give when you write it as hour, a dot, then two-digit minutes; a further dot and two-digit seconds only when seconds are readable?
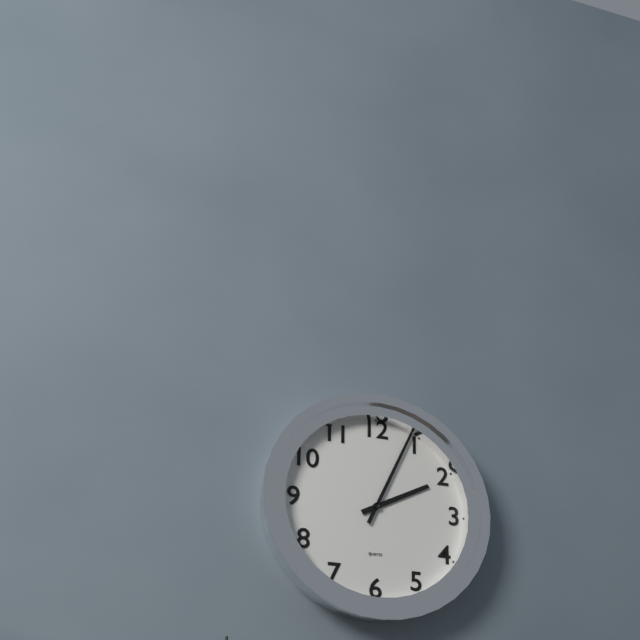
2.04
